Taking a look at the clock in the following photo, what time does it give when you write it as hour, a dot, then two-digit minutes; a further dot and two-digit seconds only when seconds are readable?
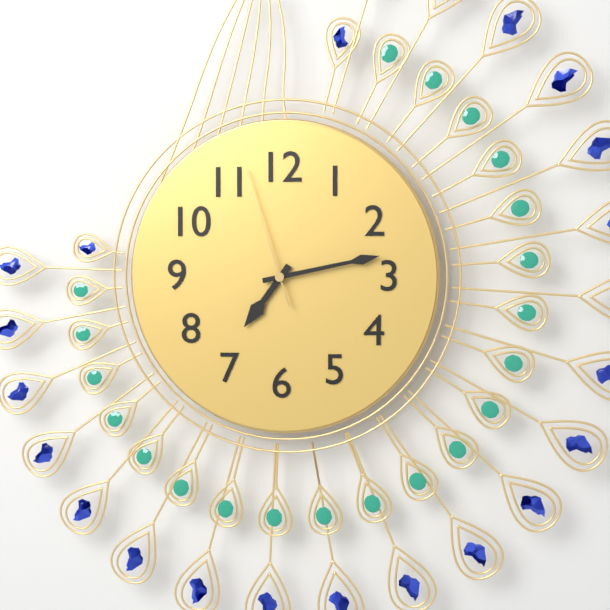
7.13.57
